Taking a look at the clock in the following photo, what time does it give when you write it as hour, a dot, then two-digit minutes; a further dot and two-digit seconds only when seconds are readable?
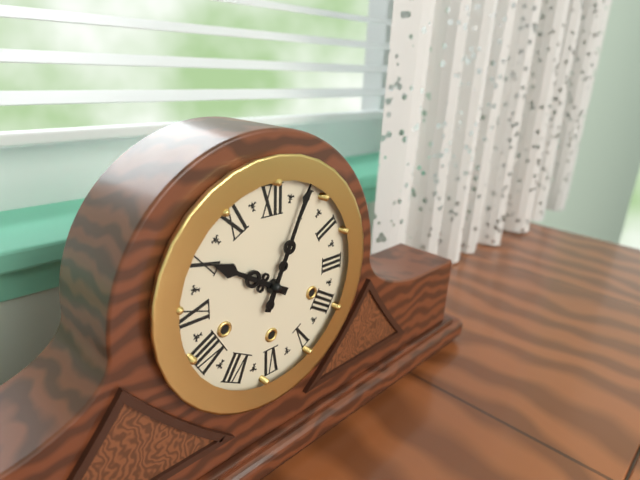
10.04
